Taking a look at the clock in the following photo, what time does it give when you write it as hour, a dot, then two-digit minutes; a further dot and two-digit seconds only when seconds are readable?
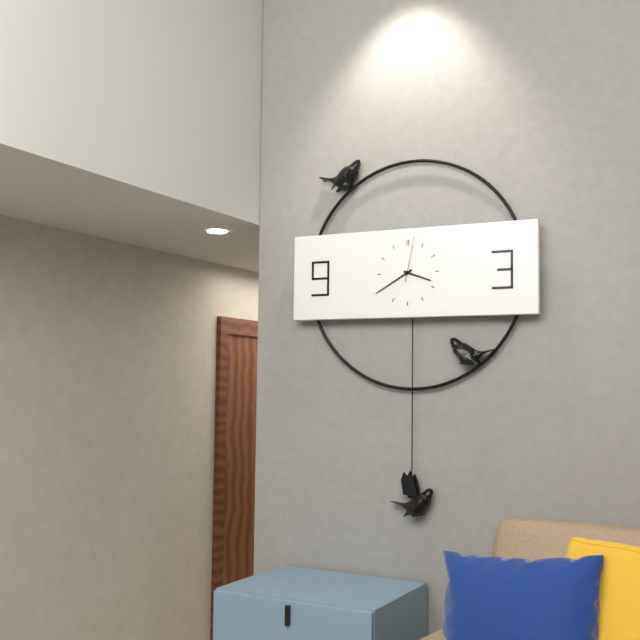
3.40
